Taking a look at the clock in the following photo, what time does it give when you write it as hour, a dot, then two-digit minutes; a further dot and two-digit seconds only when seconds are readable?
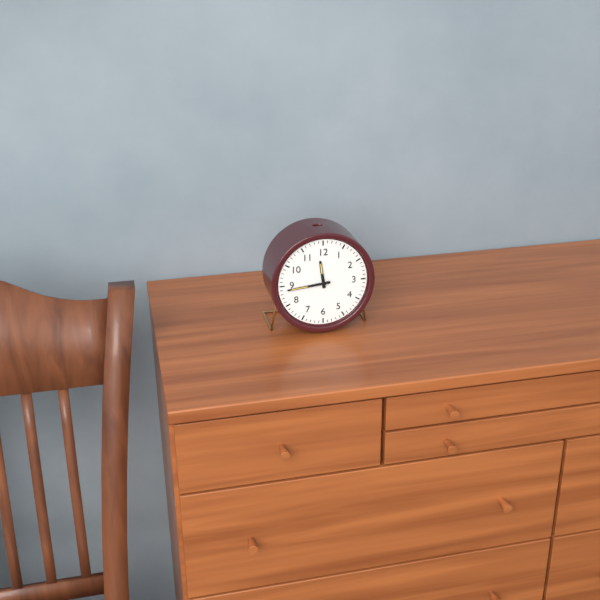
11.44
